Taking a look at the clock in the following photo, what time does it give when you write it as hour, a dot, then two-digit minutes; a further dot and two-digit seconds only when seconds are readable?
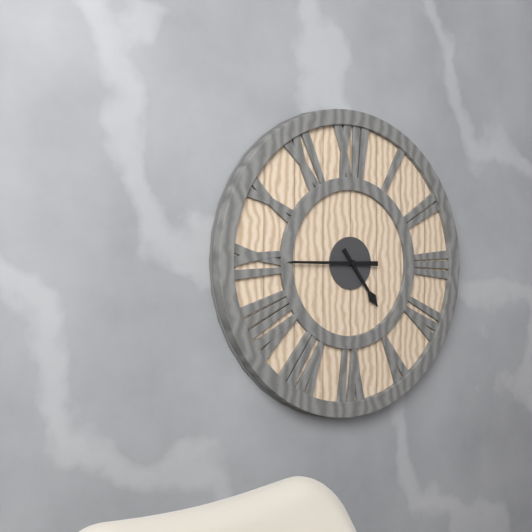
4.45
